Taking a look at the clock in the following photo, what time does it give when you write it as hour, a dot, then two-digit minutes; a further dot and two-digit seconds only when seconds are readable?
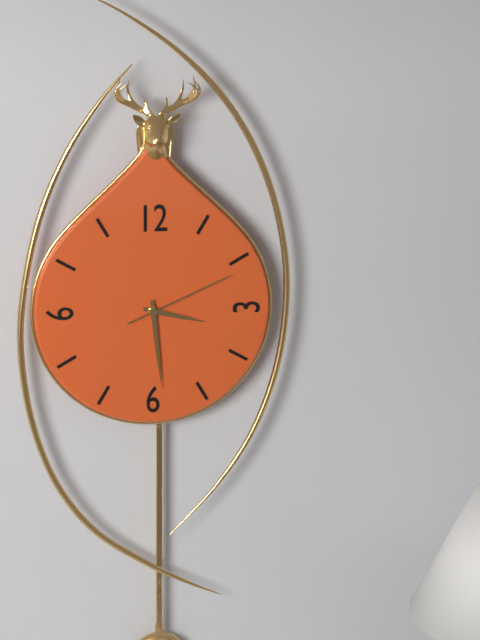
3.29.11
